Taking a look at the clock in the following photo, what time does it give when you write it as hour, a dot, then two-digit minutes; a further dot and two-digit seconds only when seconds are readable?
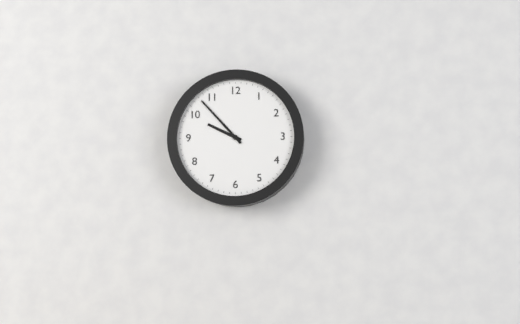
9.53
